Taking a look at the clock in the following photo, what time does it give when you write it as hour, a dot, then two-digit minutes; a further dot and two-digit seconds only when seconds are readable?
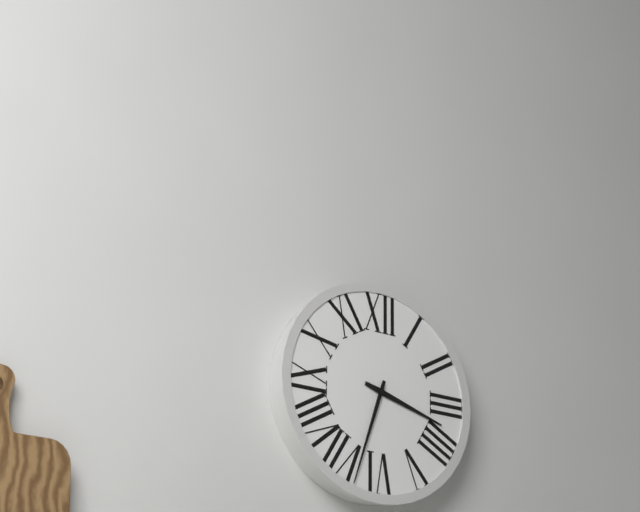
3.33
